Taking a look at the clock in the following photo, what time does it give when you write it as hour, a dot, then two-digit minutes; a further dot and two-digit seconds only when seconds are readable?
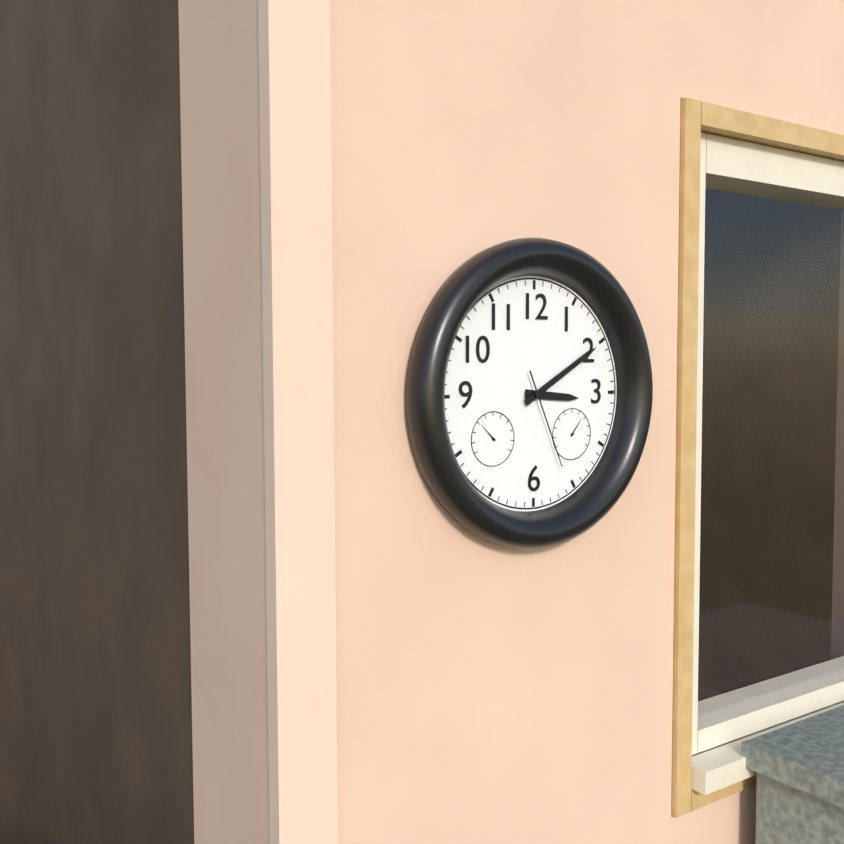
3.10.26
